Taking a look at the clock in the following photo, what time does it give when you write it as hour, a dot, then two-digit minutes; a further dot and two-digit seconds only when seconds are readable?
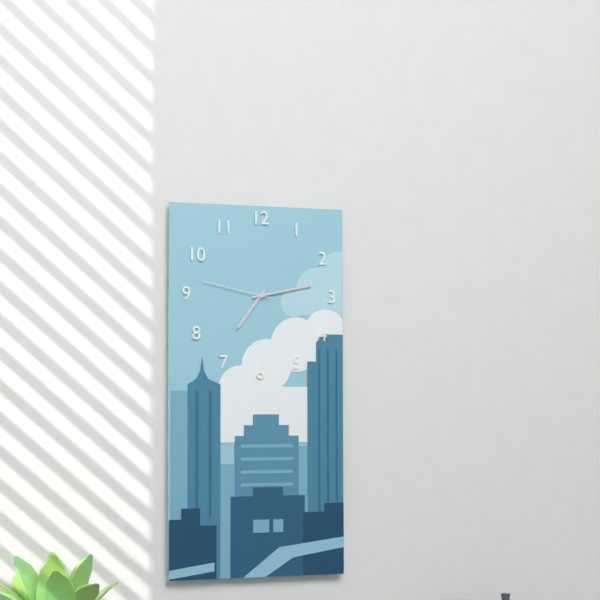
7.13.47
